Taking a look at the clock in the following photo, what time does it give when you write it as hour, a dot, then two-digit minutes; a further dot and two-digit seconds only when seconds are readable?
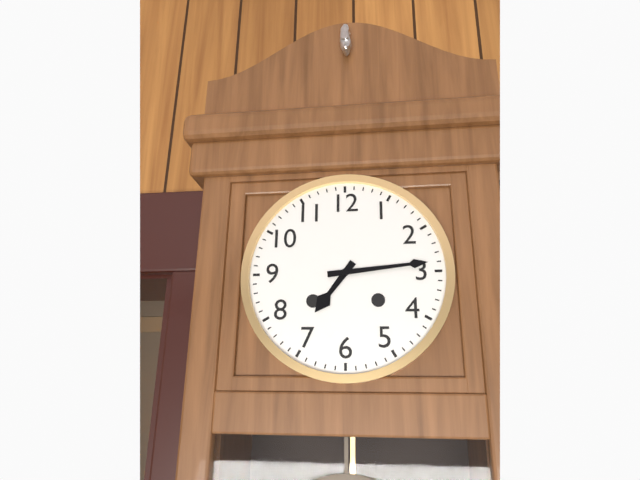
7.14
